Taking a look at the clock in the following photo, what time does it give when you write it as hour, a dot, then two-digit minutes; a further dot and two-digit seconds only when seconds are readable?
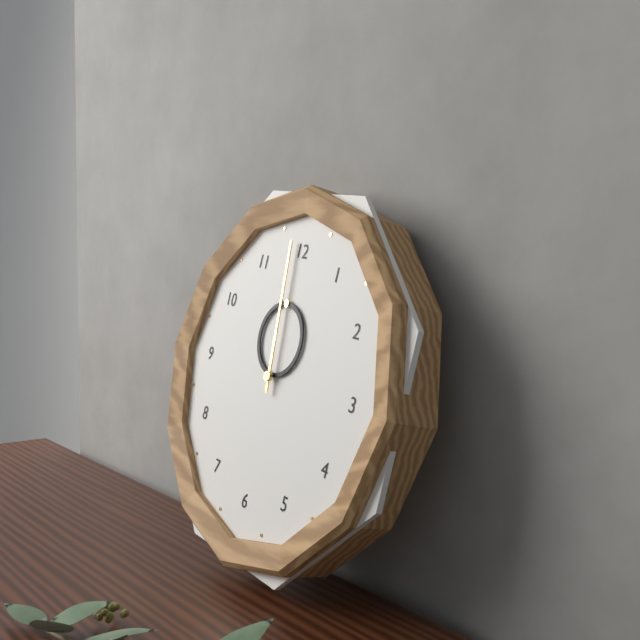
11.59
